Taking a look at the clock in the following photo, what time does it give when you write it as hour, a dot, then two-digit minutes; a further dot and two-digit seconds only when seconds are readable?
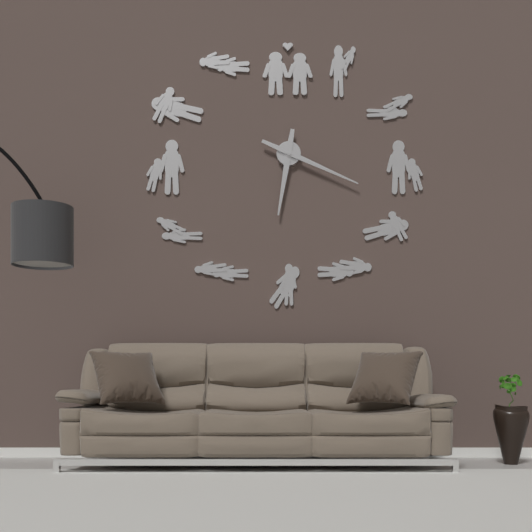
6.19
